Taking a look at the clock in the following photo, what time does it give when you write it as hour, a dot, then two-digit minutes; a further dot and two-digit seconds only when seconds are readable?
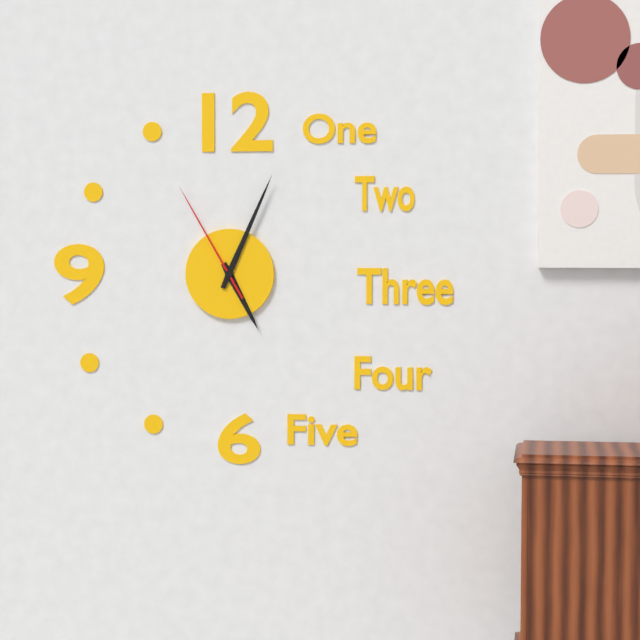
5.04.55
